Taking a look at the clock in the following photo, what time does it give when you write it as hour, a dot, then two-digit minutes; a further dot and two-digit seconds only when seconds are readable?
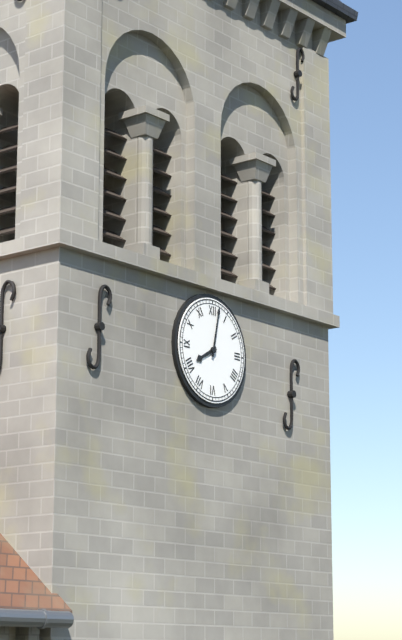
8.02
